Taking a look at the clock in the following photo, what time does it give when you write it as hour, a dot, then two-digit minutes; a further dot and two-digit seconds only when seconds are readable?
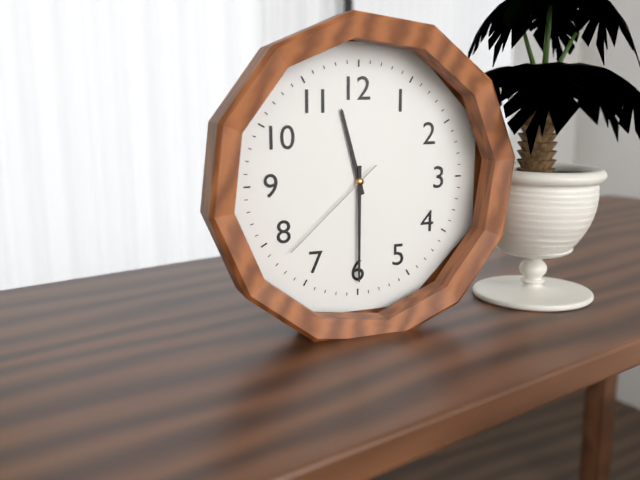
11.30.38
